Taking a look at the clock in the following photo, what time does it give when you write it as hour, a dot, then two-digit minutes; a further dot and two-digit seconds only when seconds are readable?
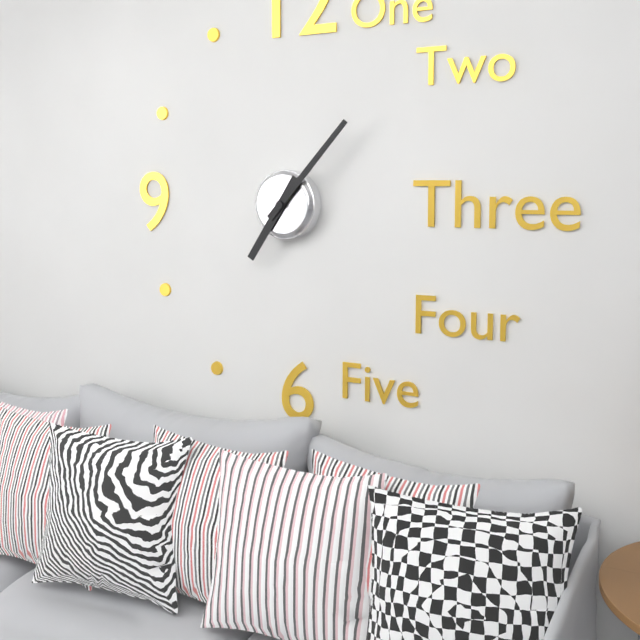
7.07
